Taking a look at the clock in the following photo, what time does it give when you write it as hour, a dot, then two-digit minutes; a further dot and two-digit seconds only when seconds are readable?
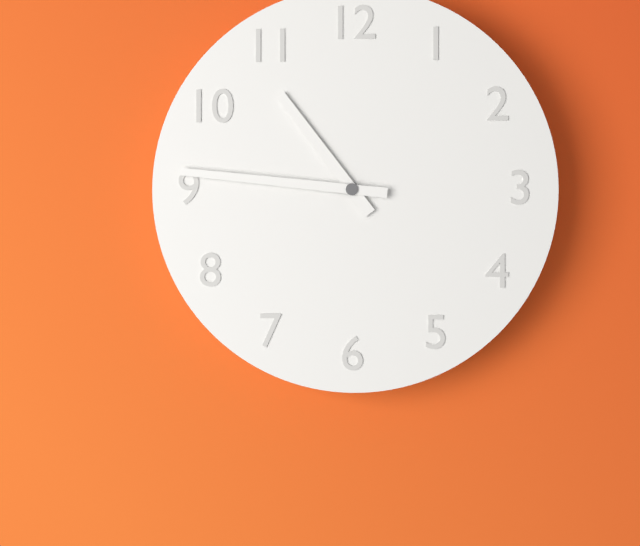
10.46
